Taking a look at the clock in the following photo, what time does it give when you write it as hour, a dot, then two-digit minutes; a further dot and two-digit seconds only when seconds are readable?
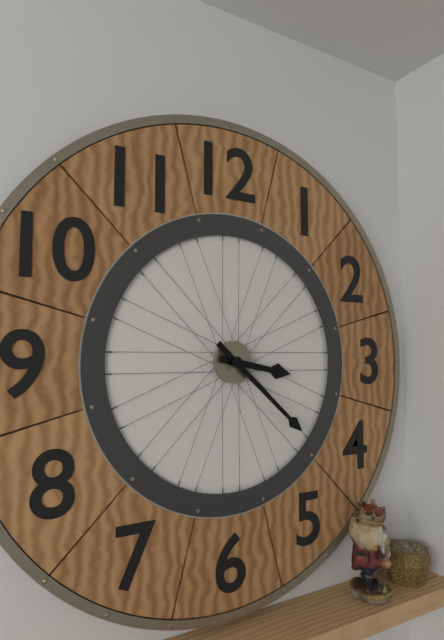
3.22
